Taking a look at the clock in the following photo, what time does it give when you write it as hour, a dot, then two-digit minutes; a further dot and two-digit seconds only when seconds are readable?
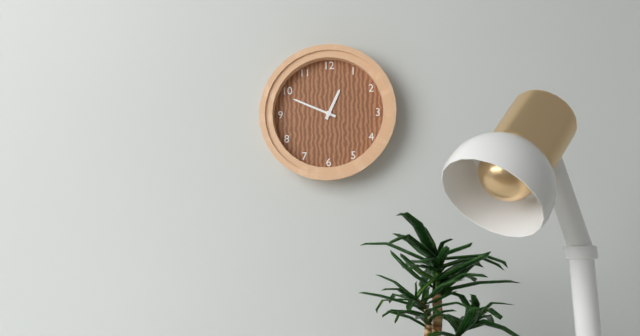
12.49
